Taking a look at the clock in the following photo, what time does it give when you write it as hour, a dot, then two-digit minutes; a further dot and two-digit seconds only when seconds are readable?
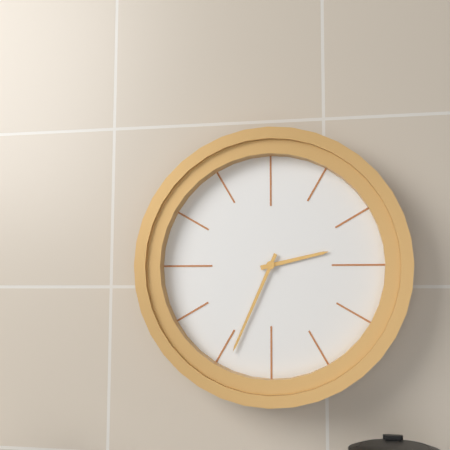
2.34
